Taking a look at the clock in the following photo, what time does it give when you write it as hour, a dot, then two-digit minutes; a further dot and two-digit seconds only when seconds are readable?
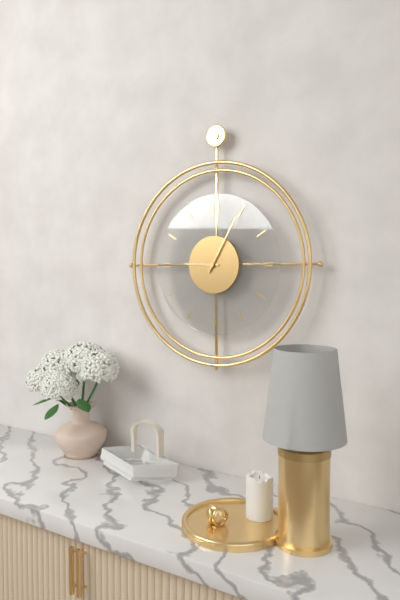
9.05
